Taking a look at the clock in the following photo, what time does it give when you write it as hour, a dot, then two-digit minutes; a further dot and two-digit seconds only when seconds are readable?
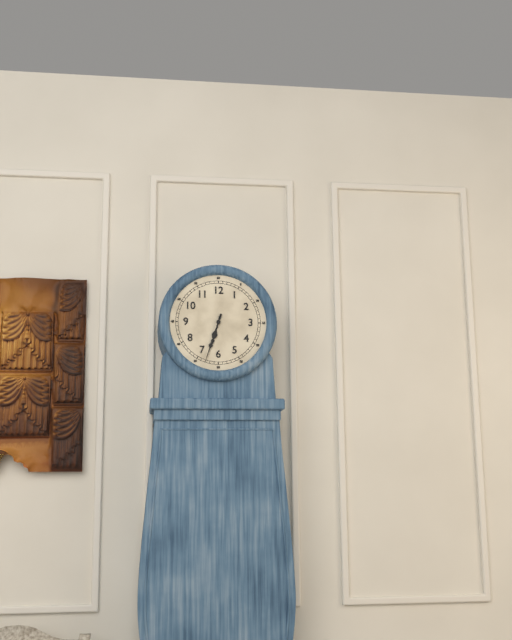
6.33
